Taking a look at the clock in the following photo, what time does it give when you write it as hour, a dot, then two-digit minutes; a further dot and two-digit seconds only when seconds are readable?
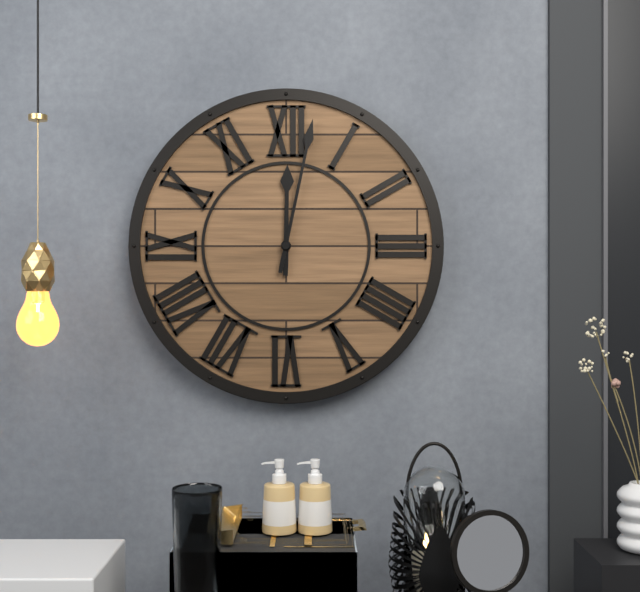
12.02
